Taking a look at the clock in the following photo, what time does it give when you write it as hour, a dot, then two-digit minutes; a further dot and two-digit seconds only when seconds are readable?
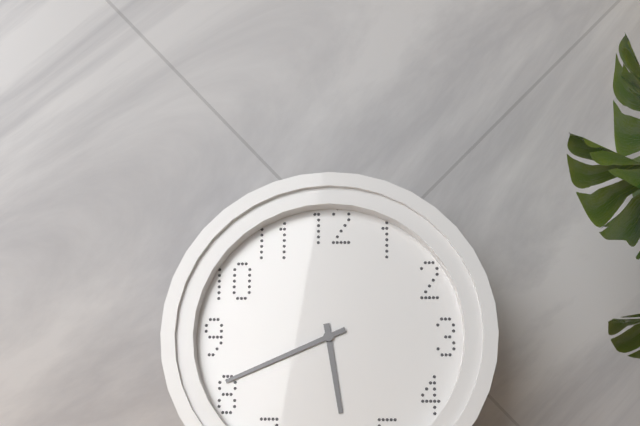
5.41
